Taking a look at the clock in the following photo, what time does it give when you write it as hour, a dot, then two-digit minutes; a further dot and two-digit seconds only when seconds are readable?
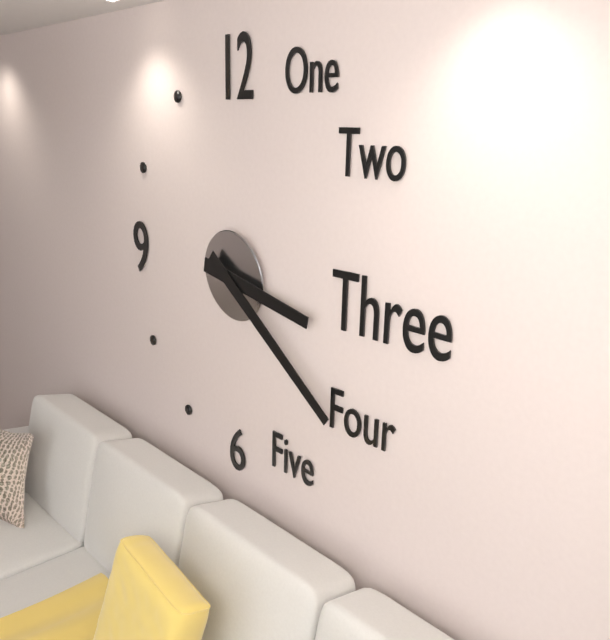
3.21
